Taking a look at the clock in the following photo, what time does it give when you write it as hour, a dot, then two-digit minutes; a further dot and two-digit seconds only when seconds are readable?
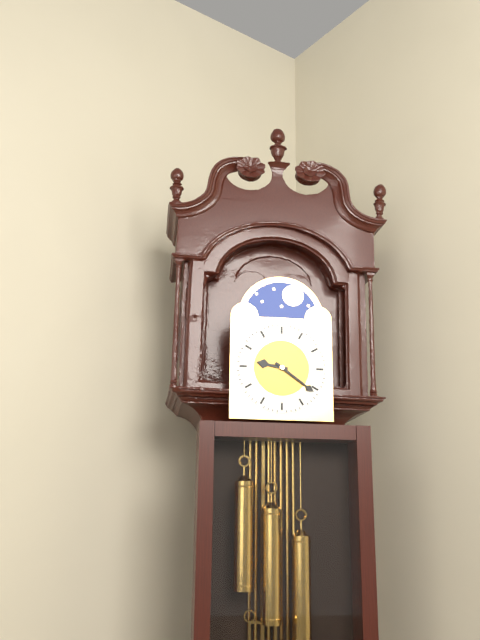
9.21
